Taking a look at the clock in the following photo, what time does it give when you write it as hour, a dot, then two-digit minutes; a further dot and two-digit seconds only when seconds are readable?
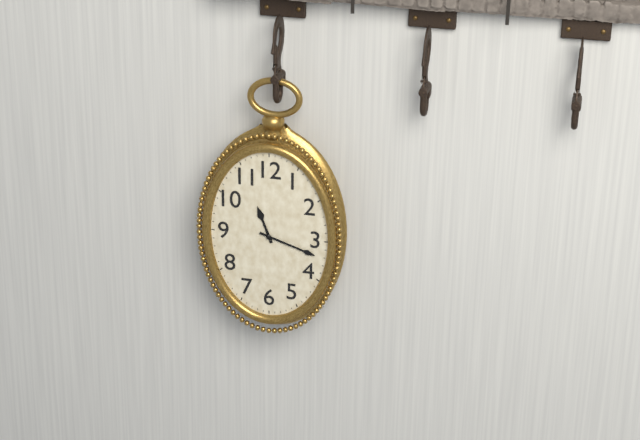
11.18
